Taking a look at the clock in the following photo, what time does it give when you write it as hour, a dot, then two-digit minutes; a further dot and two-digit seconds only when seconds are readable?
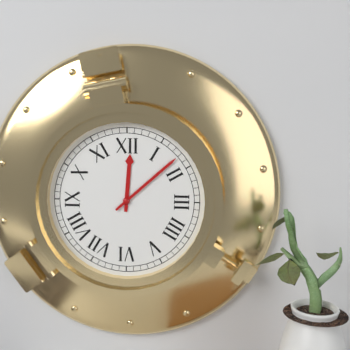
12.08
